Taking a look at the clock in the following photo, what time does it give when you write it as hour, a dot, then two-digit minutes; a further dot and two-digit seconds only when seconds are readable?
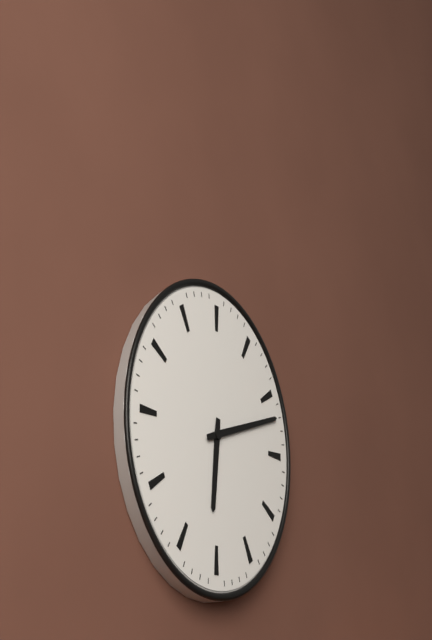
6.12
